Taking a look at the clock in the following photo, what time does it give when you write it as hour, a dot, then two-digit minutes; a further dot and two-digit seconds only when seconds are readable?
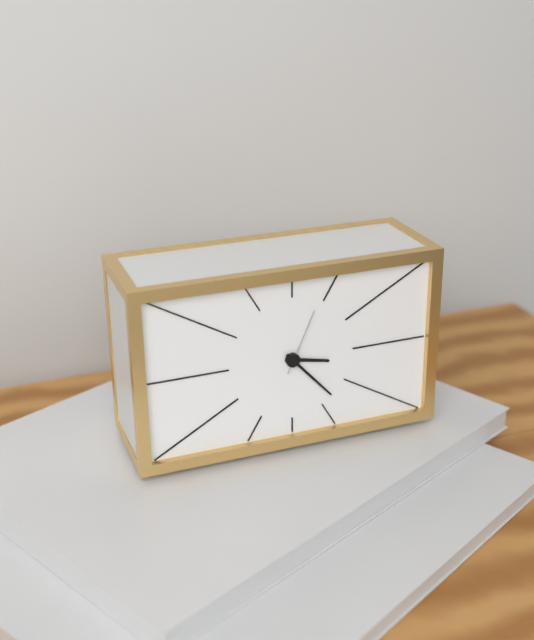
3.23.04
